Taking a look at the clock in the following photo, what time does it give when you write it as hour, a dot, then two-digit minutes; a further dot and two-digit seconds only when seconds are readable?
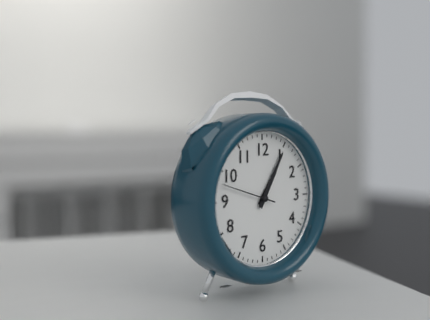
1.05
